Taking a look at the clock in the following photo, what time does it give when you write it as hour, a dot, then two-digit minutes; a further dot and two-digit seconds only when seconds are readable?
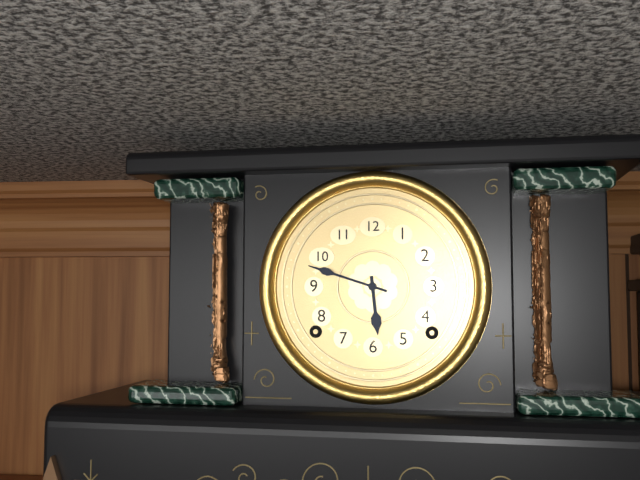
5.48
